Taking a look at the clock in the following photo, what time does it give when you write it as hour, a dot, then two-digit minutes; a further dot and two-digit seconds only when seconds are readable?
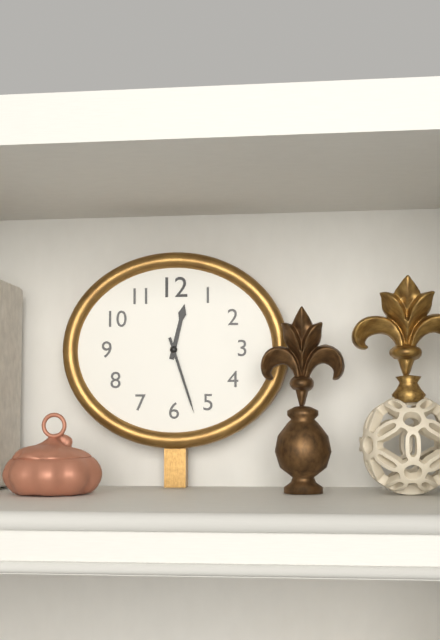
12.27
